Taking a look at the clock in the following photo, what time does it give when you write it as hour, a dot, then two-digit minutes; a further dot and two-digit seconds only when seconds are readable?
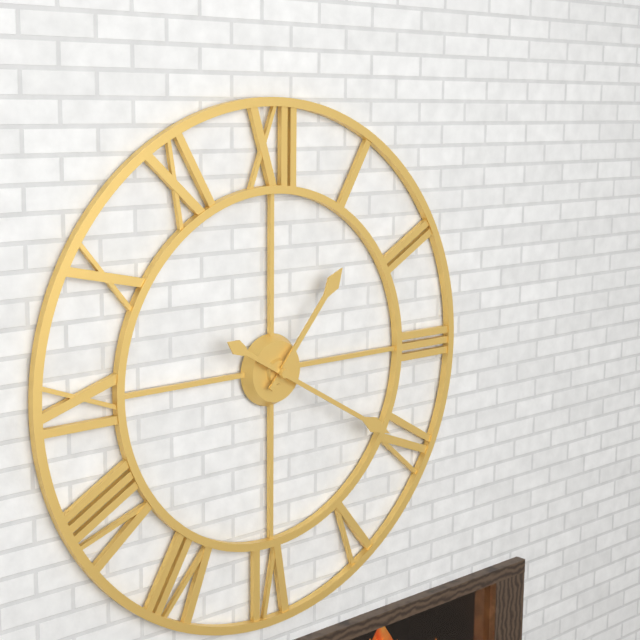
1.20
